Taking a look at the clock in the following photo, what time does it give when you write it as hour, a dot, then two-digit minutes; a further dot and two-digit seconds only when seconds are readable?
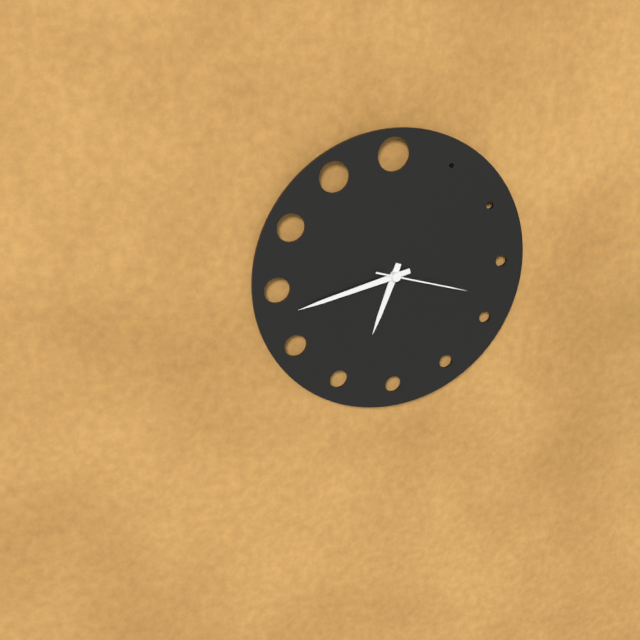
6.43.18
